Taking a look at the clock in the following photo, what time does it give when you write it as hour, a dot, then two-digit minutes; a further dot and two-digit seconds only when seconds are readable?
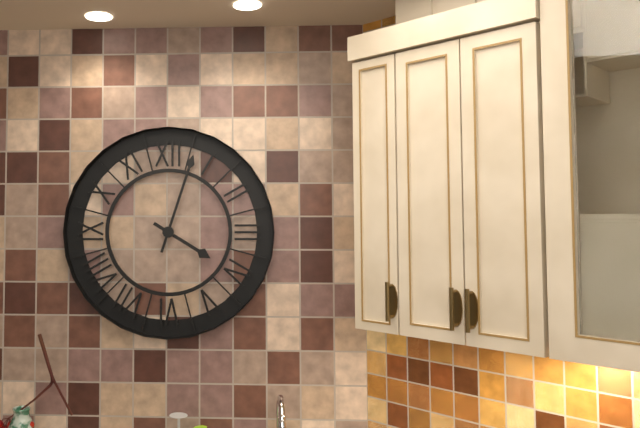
4.03
